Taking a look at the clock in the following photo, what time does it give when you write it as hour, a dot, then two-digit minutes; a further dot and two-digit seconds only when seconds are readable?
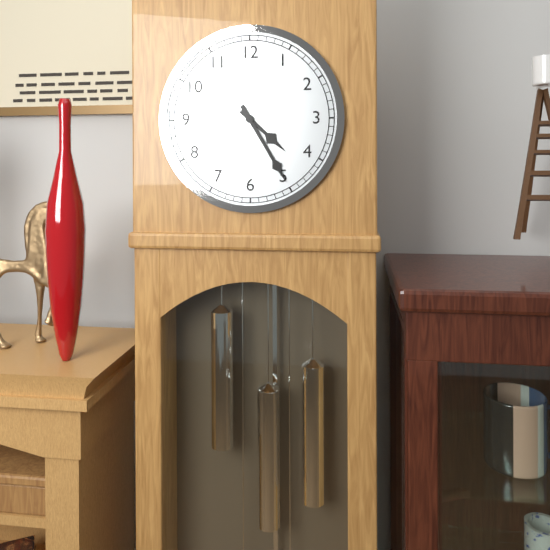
4.25
